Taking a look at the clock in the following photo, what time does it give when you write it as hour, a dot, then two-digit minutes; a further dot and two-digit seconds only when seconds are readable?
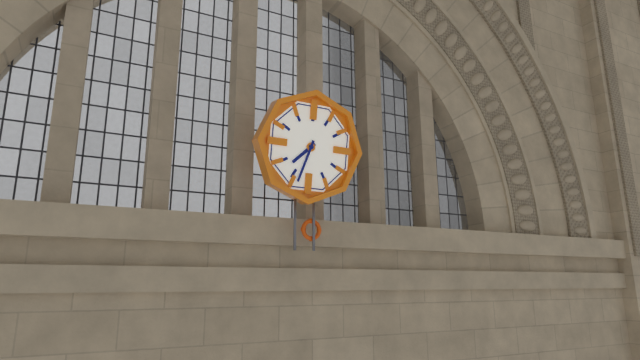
7.33
